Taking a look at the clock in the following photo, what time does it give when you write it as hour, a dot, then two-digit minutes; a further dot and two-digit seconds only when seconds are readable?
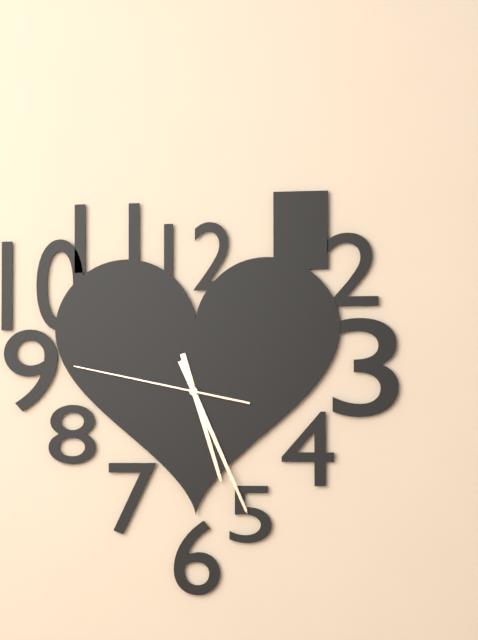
5.26.47
